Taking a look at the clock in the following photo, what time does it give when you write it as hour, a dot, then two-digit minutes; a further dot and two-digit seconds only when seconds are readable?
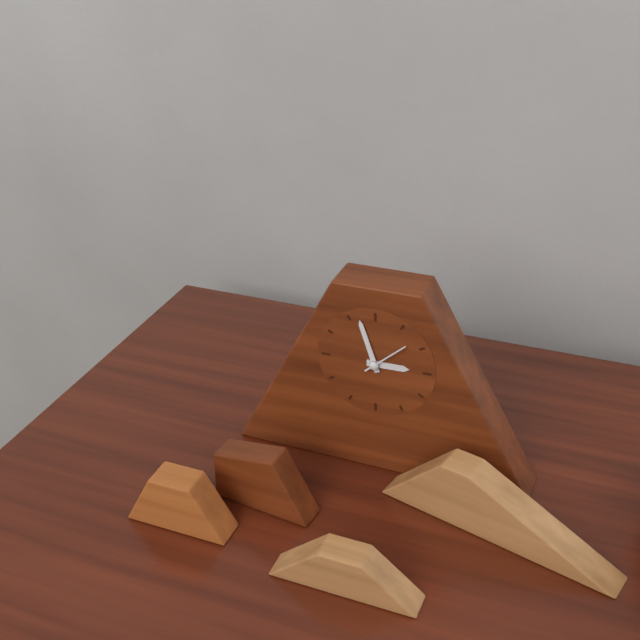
2.57
